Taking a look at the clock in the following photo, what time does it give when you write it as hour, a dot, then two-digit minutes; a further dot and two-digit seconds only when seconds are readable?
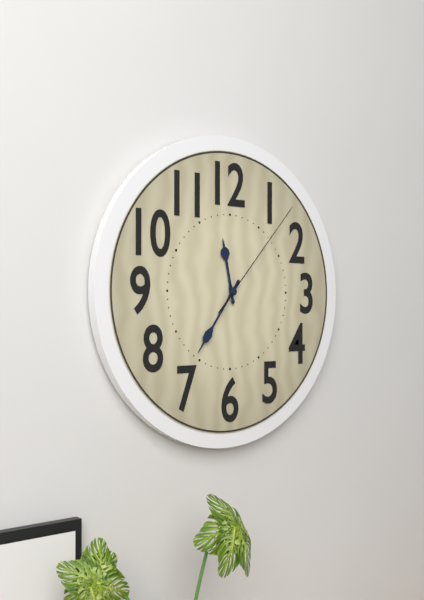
11.36.07
